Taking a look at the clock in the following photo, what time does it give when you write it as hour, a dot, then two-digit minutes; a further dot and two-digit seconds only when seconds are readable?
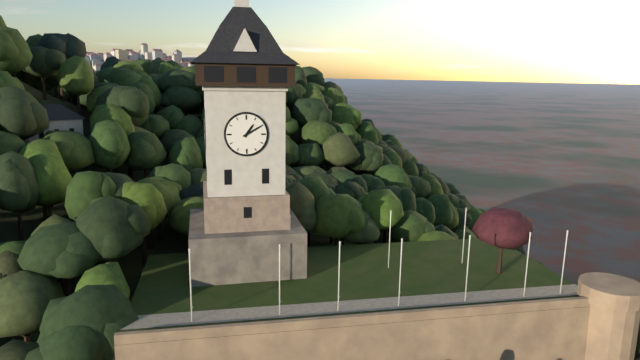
1.10
